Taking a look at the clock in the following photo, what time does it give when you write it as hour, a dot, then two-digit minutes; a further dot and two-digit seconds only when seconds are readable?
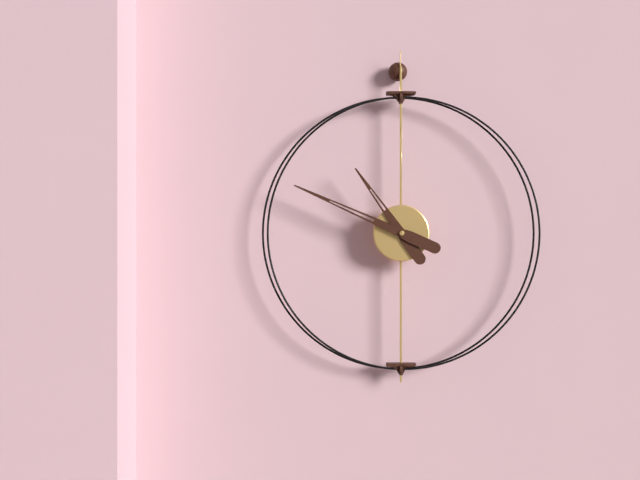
10.49
